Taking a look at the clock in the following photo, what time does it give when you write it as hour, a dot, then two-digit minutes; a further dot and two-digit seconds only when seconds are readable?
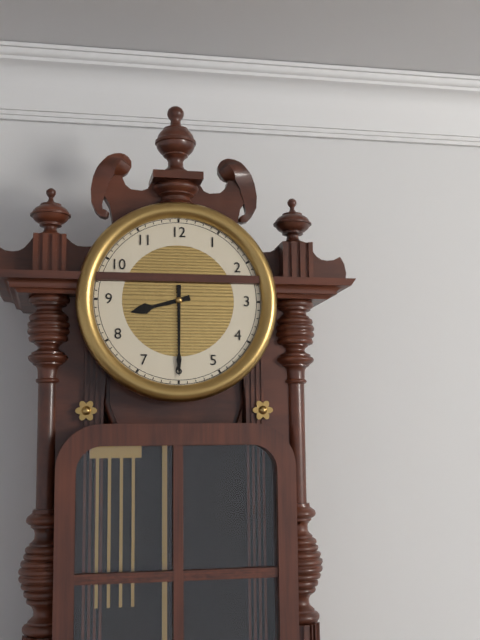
8.30
